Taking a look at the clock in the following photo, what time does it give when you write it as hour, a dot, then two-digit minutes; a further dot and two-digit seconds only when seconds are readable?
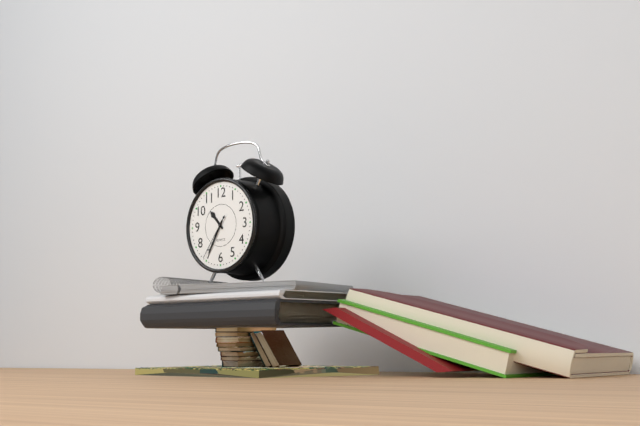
10.35.36
